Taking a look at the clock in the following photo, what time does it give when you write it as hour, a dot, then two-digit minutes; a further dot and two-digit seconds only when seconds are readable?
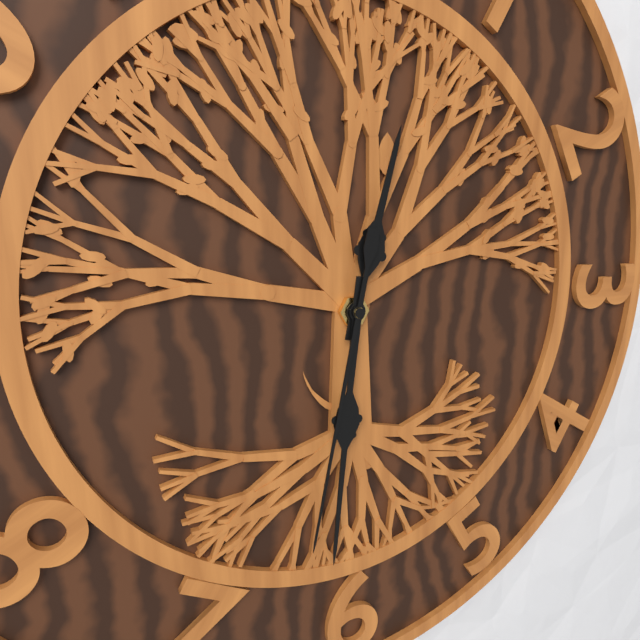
12.31.32
